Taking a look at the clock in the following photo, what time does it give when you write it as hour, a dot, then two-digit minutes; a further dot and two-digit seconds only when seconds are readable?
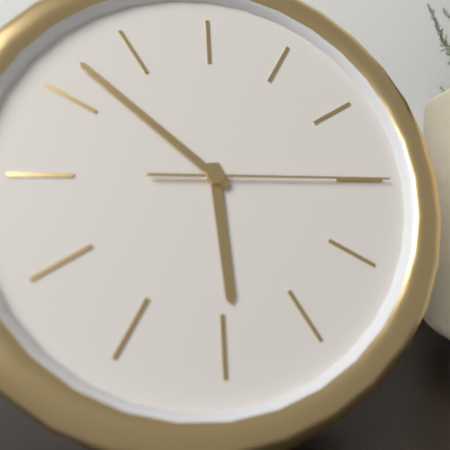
5.52.15
